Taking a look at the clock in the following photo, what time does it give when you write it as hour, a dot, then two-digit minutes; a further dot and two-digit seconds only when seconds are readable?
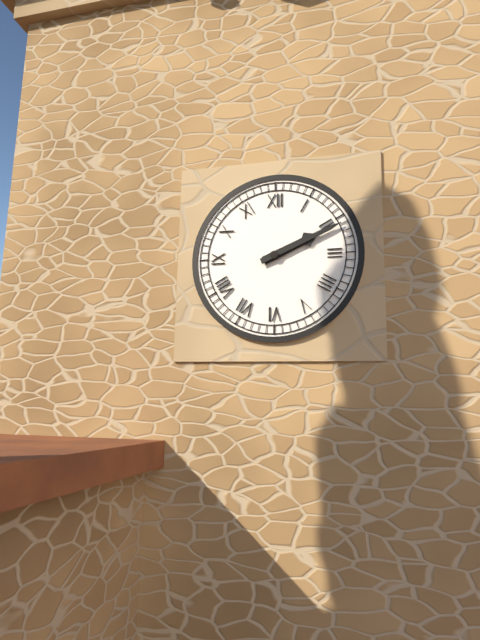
2.11
